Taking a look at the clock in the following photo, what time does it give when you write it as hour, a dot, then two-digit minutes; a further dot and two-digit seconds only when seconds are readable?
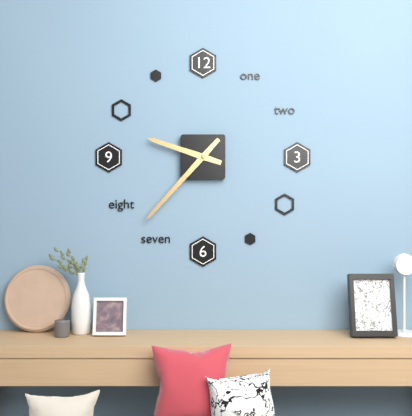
9.37
